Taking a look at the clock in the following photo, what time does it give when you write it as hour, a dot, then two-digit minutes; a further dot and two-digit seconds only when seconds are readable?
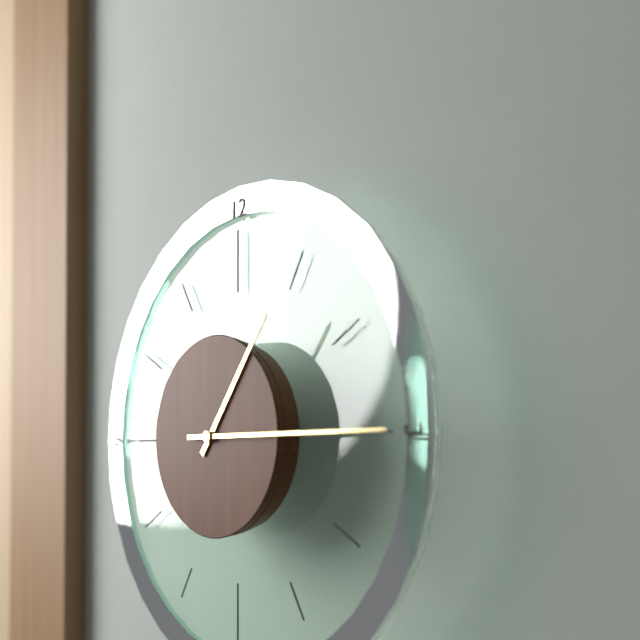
1.15
